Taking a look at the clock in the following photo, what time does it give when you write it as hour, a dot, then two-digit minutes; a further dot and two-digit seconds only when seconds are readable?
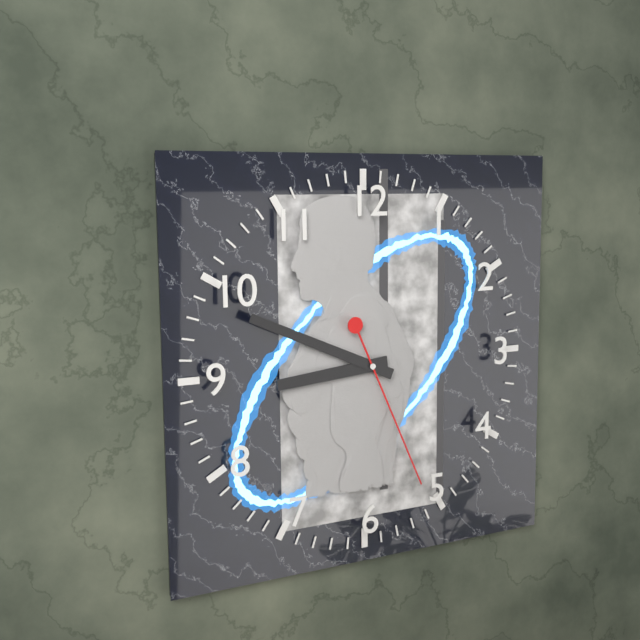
8.49.26
